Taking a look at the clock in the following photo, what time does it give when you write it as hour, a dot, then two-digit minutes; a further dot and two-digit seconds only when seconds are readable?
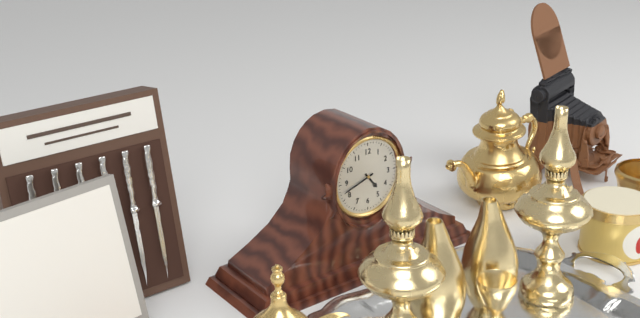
4.42
